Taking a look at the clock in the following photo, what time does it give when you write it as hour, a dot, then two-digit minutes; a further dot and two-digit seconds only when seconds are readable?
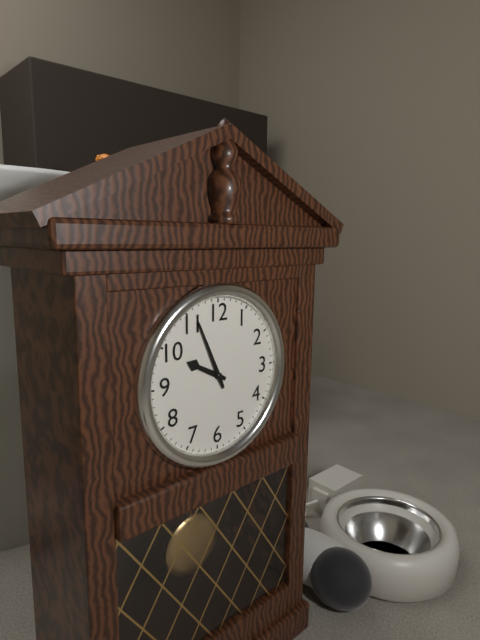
9.56
